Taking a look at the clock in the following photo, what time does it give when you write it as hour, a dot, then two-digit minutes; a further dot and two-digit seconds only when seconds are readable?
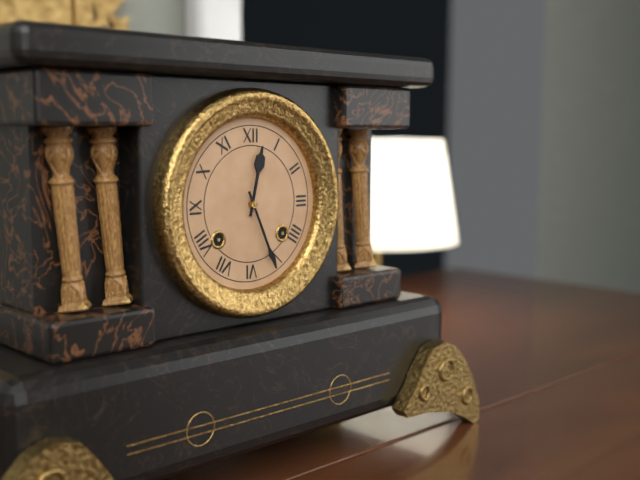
12.26
